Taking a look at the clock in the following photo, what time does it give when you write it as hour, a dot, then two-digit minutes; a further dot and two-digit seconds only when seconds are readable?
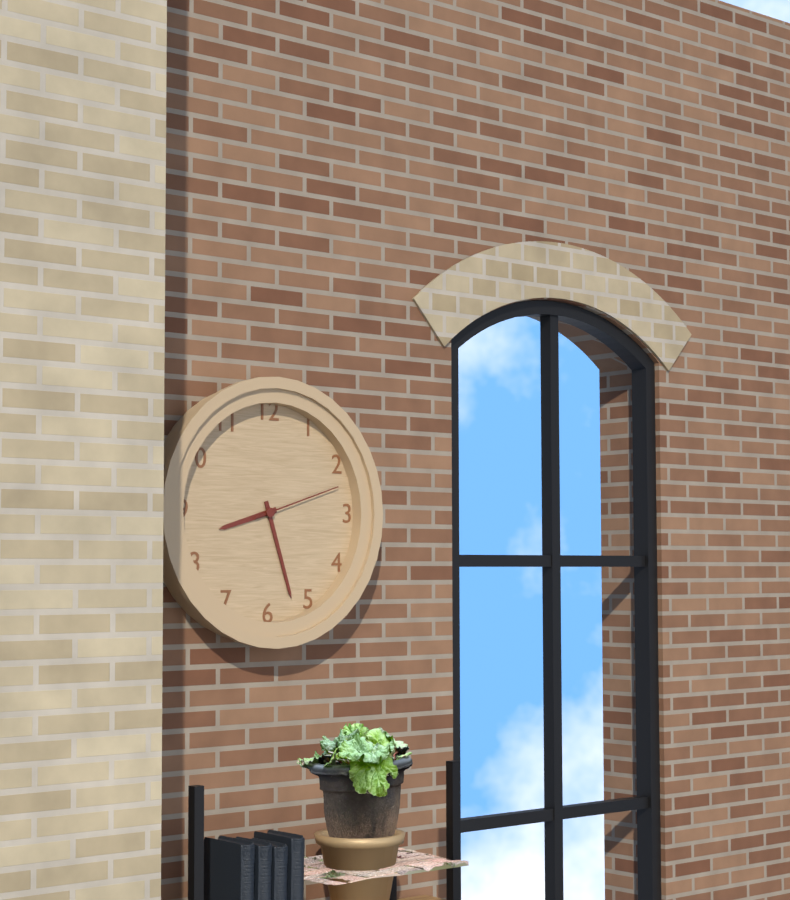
8.27.12
